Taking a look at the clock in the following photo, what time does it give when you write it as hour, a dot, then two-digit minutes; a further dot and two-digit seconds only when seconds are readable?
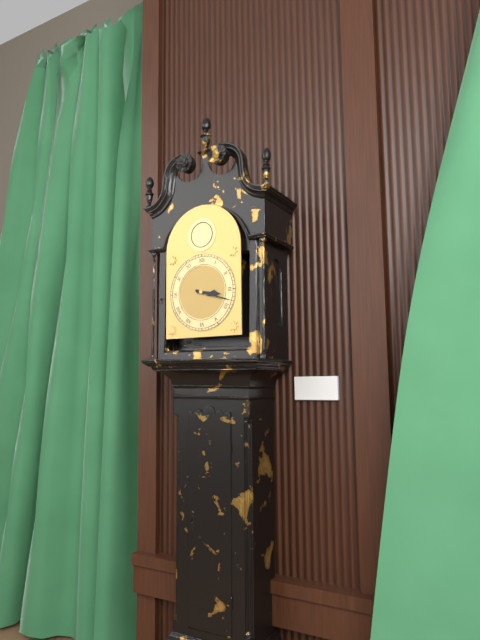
3.18
